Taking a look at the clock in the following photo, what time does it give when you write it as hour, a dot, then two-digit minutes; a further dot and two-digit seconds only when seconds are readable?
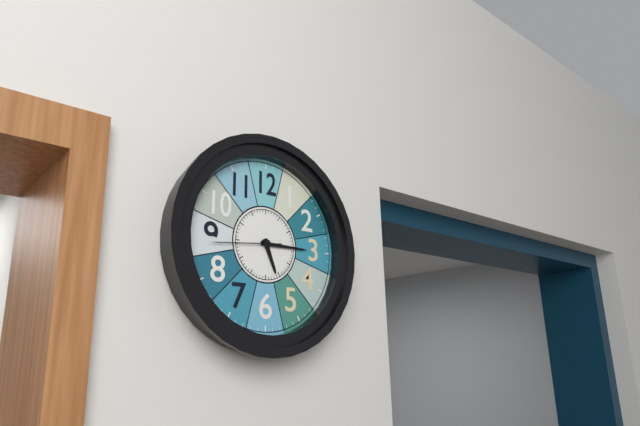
5.15.44
